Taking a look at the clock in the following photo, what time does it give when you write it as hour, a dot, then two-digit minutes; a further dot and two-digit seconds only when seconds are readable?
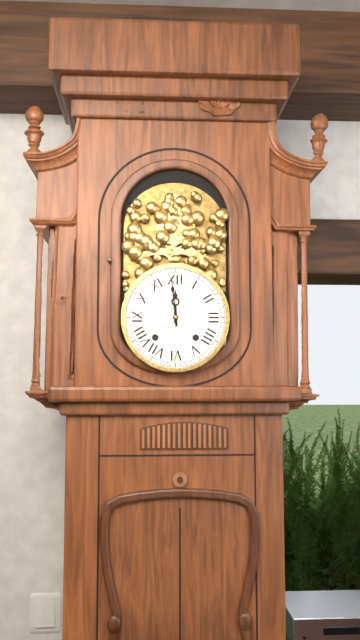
11.59
